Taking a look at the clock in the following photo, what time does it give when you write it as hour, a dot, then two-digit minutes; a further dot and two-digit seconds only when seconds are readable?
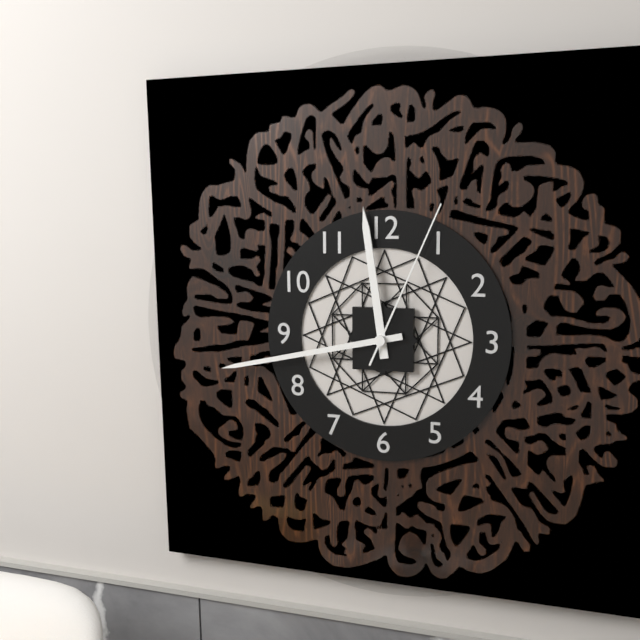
11.43.04
